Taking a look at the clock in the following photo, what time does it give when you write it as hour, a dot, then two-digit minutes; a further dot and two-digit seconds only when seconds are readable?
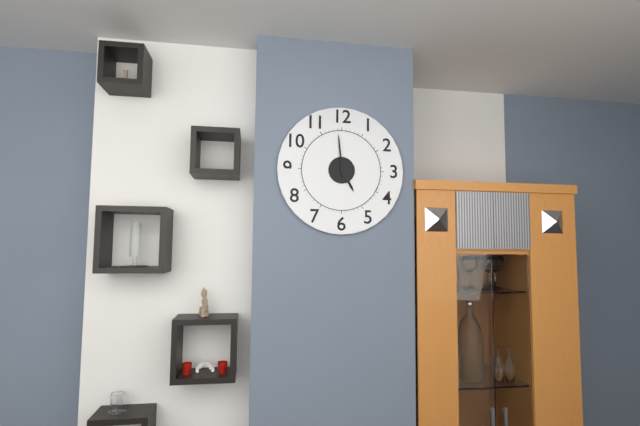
4.59
